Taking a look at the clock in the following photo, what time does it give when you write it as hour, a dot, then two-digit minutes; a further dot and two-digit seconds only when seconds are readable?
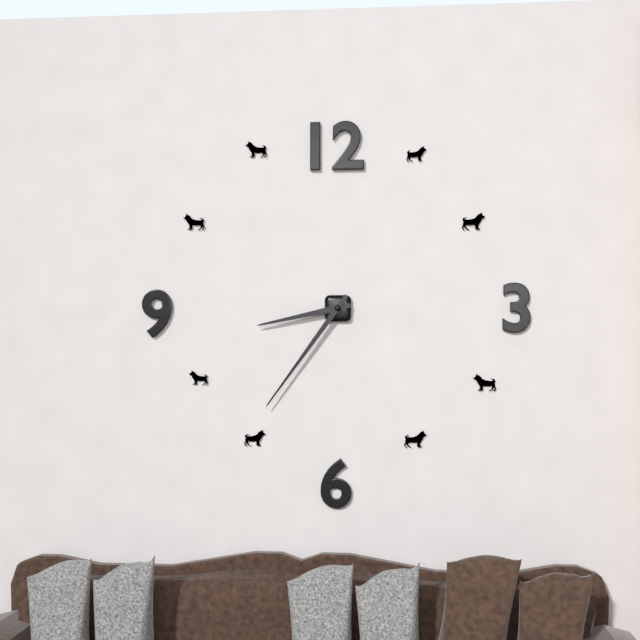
8.36
